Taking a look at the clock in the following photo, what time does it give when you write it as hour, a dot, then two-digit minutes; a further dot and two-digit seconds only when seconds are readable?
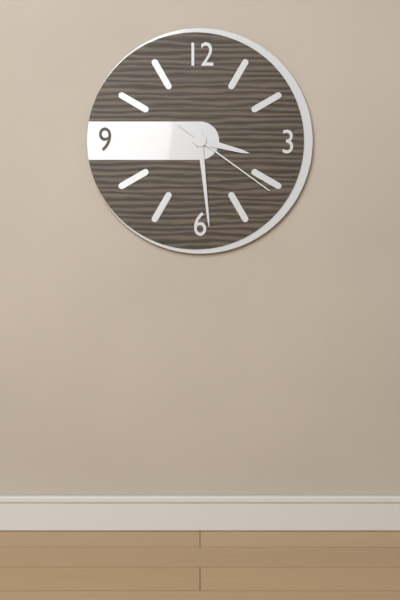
3.29.21
